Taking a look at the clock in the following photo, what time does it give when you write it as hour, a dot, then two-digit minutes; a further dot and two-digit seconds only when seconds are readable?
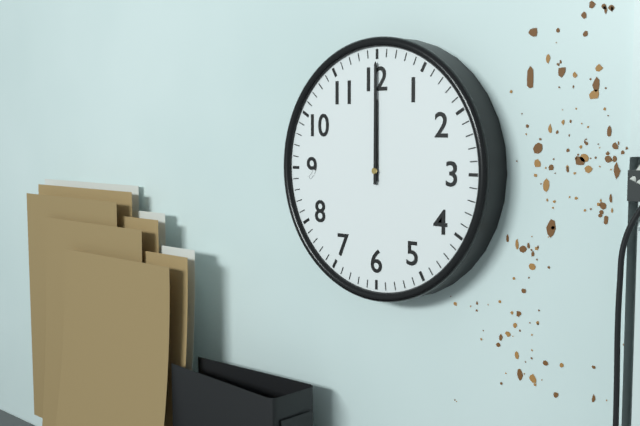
12.00
